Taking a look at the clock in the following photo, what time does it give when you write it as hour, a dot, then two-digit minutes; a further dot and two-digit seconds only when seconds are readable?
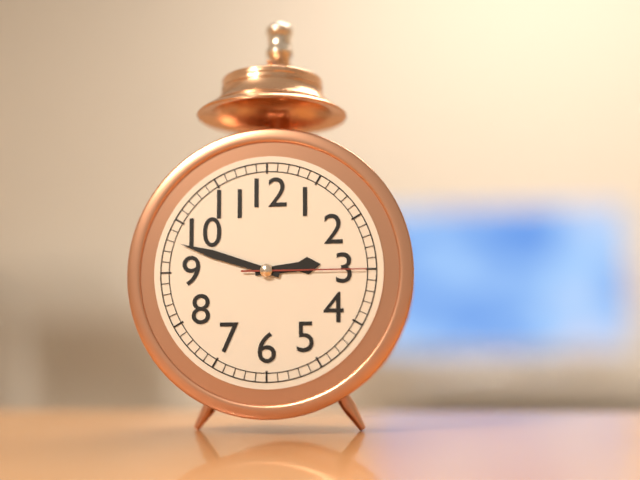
2.48.15
